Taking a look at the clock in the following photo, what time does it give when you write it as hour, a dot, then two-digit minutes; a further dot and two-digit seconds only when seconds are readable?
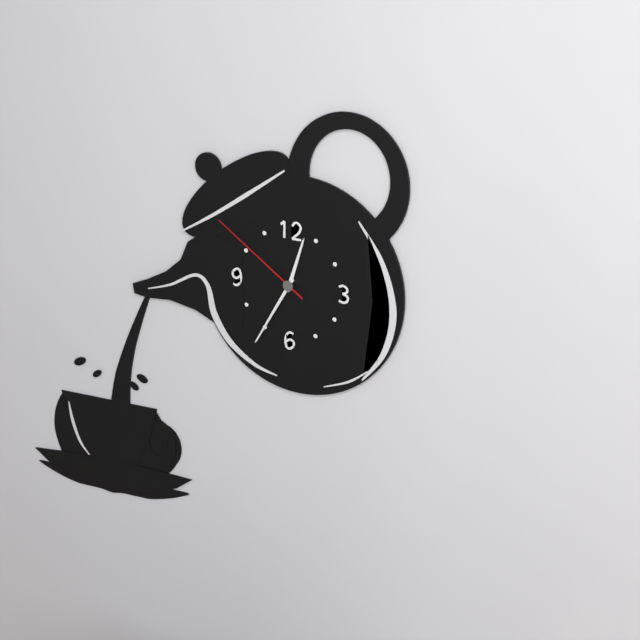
12.35.51
